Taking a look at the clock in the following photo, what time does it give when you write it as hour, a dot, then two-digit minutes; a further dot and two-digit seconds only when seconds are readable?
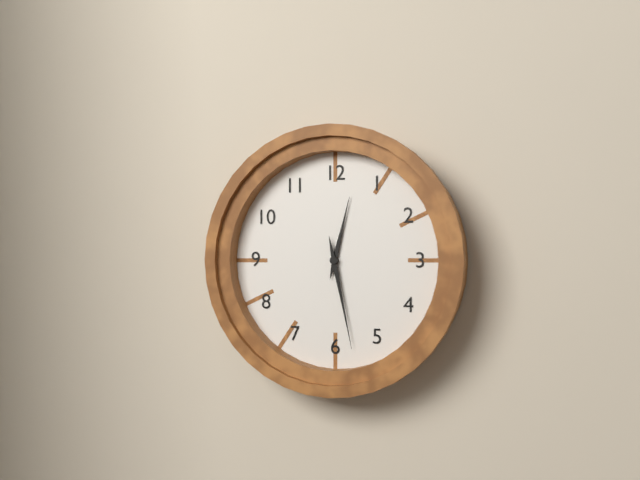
12.28
